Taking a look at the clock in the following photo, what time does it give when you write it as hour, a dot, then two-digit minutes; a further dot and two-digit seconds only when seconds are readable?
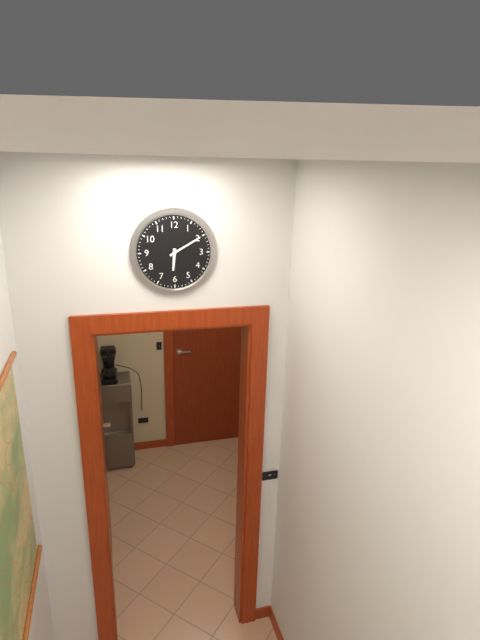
6.10
